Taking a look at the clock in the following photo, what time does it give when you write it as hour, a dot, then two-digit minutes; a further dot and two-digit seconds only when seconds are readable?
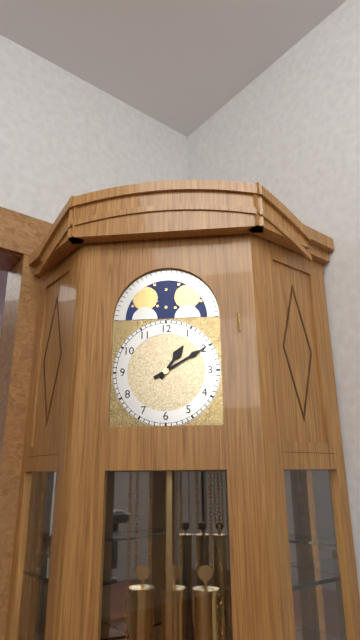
1.10
